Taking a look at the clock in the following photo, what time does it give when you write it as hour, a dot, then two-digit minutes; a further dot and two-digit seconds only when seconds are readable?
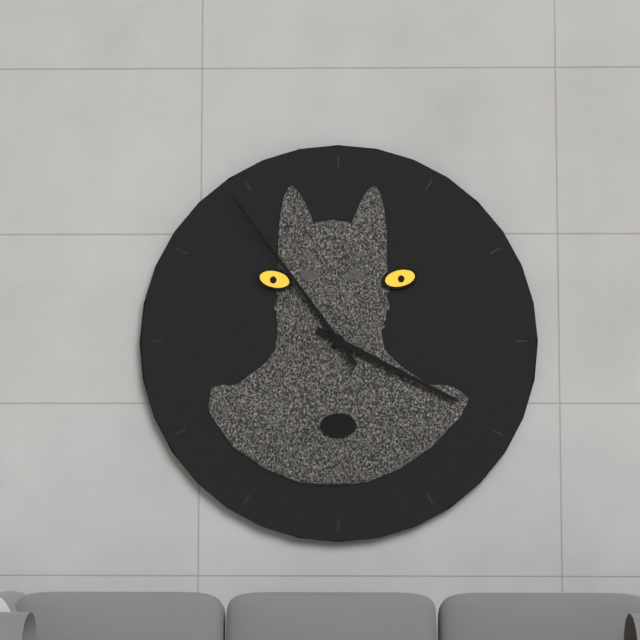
3.54
